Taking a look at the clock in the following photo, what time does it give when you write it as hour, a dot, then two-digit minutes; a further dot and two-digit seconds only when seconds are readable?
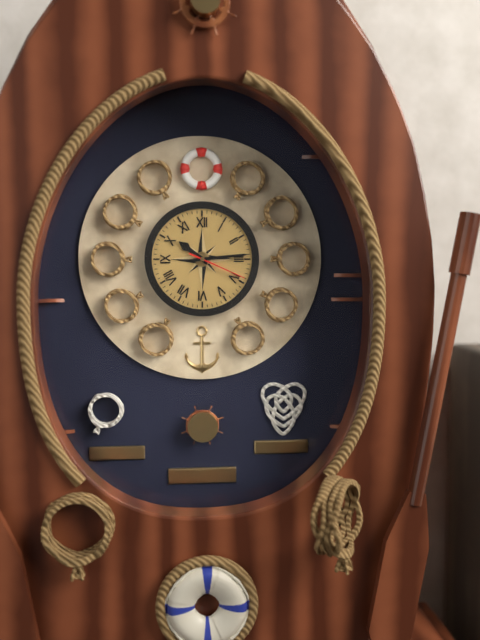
10.14.19
